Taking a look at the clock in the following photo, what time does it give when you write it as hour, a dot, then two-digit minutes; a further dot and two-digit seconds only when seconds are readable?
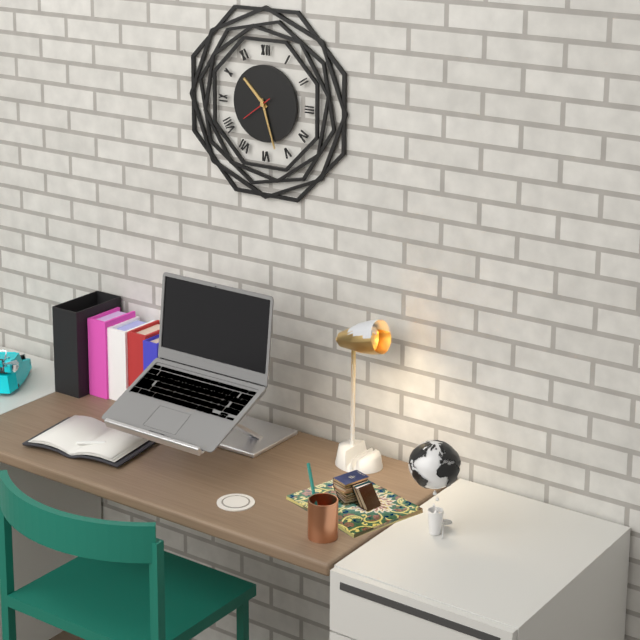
10.27
